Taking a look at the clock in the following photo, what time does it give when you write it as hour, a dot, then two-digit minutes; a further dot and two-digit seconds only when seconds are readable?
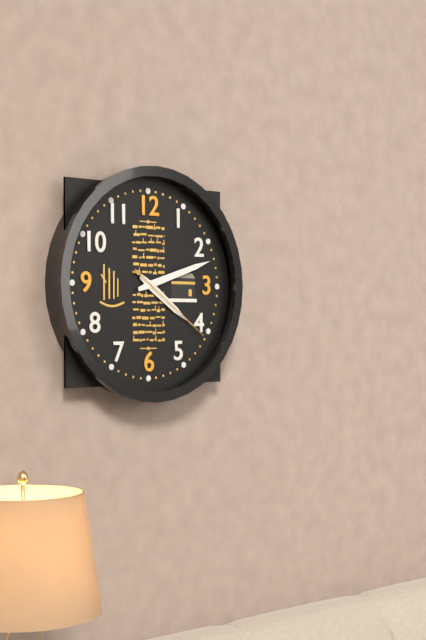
4.12.21
